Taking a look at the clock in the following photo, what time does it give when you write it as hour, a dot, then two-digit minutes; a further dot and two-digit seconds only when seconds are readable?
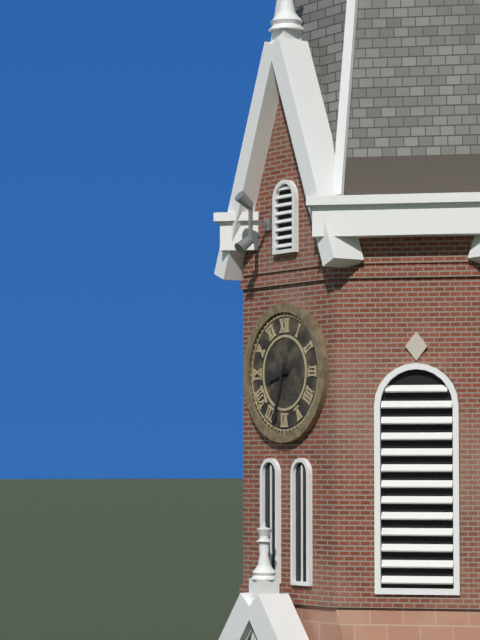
8.33
